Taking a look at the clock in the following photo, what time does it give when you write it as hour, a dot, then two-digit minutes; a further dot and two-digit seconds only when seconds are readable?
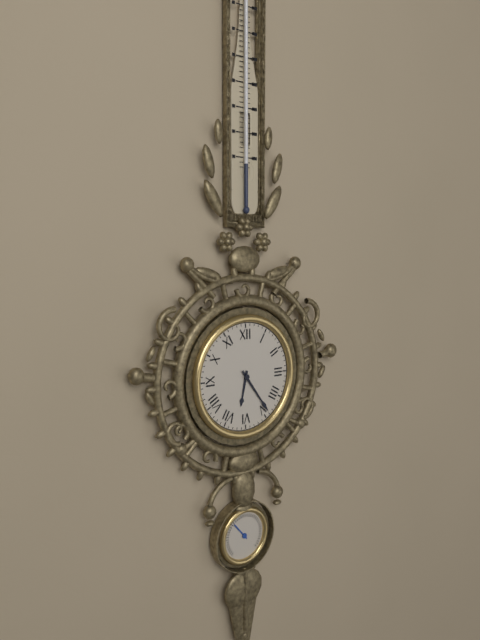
6.24
